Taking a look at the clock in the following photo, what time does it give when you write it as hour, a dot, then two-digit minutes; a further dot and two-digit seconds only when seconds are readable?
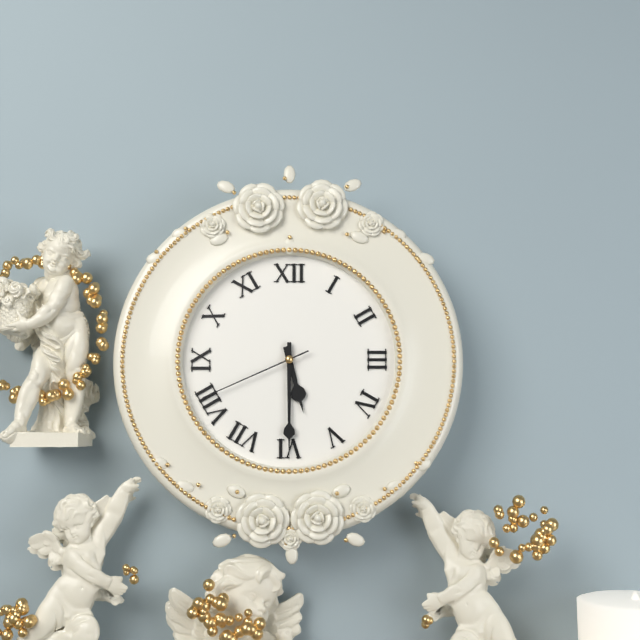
5.30.41
